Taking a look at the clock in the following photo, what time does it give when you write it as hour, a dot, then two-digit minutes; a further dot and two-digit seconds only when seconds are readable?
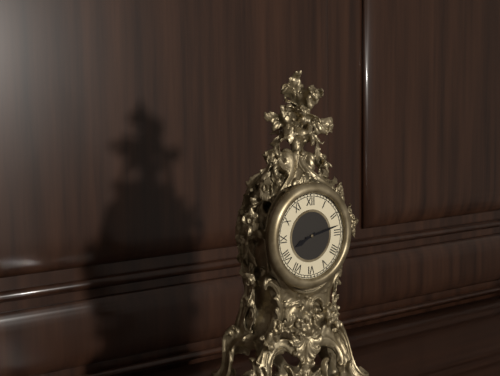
8.13
